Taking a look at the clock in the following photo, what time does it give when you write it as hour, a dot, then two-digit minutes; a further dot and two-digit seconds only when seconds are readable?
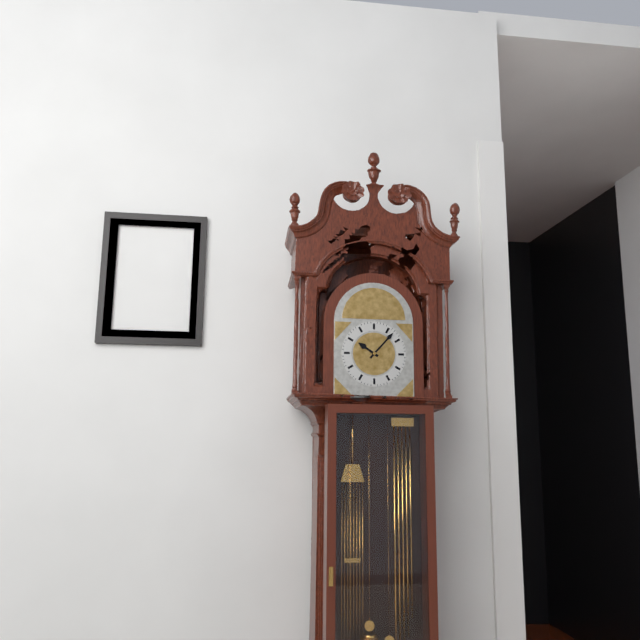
10.07
